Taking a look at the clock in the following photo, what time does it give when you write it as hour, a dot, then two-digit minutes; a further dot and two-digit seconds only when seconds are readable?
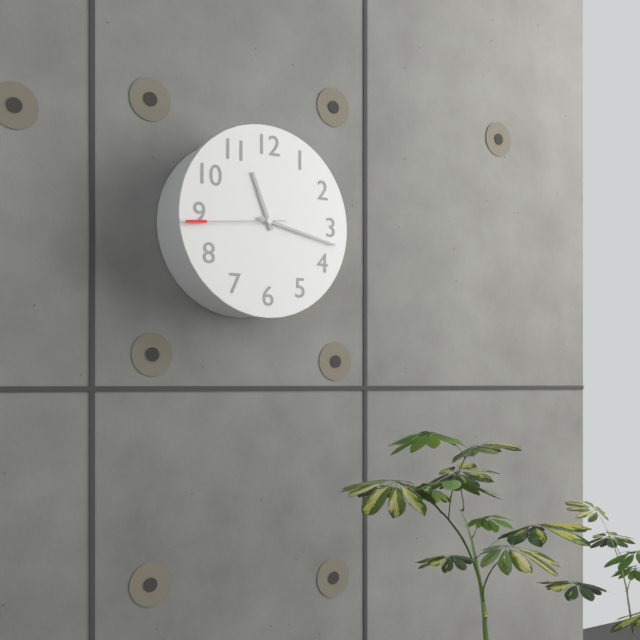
11.17.44
